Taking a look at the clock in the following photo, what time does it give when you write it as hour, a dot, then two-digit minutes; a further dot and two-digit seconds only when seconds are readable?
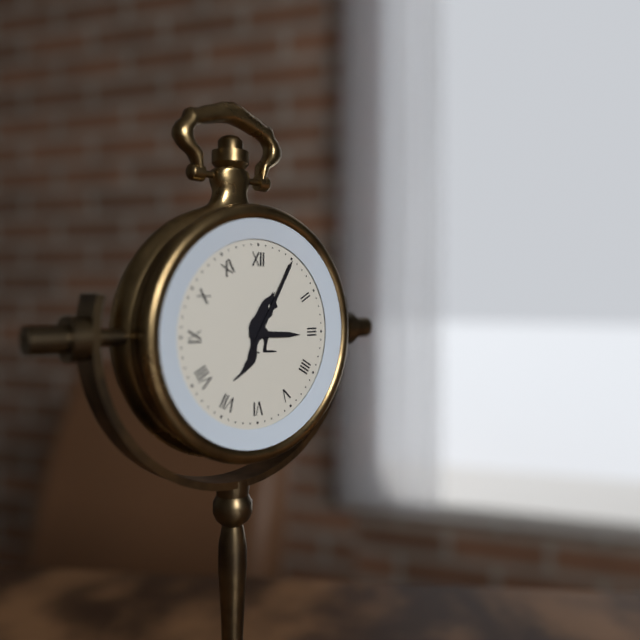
3.05
